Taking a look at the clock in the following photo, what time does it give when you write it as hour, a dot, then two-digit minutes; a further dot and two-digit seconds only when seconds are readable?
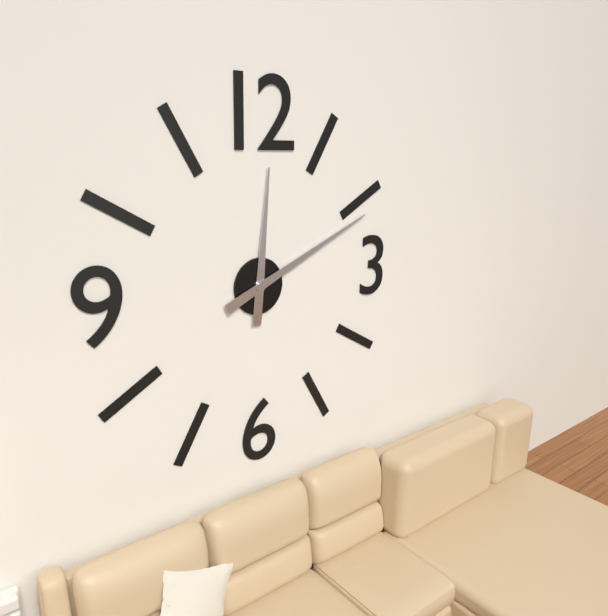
12.11
